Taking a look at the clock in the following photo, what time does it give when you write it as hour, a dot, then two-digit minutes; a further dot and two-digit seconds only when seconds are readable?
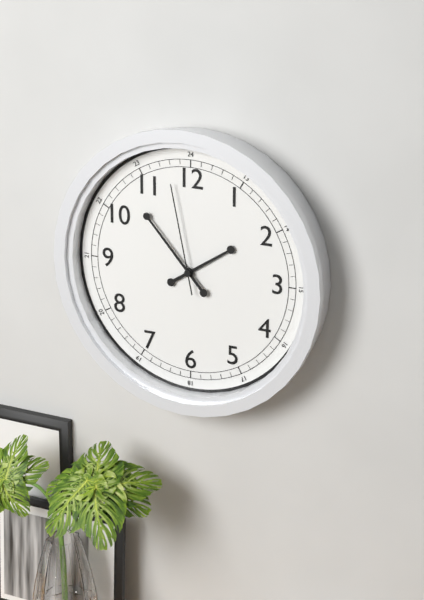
1.53.58
